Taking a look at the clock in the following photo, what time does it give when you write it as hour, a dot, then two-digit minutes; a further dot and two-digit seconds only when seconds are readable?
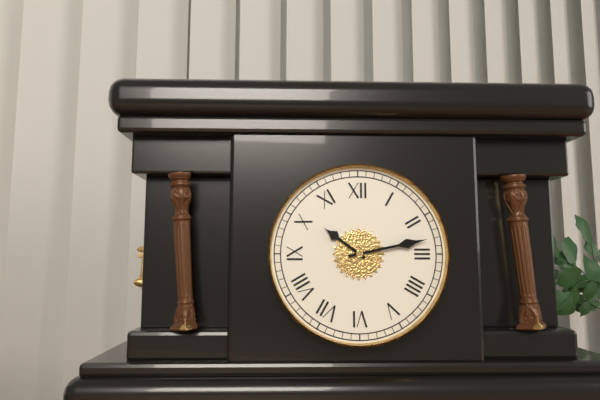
10.13
